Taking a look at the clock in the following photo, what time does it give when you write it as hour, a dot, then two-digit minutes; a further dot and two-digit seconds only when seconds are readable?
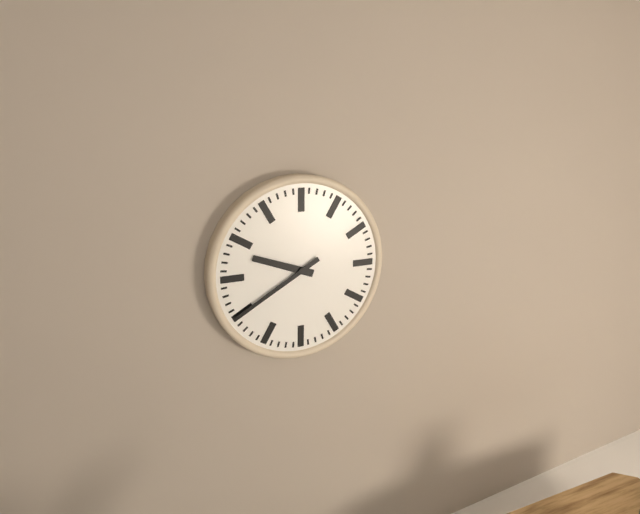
9.40
